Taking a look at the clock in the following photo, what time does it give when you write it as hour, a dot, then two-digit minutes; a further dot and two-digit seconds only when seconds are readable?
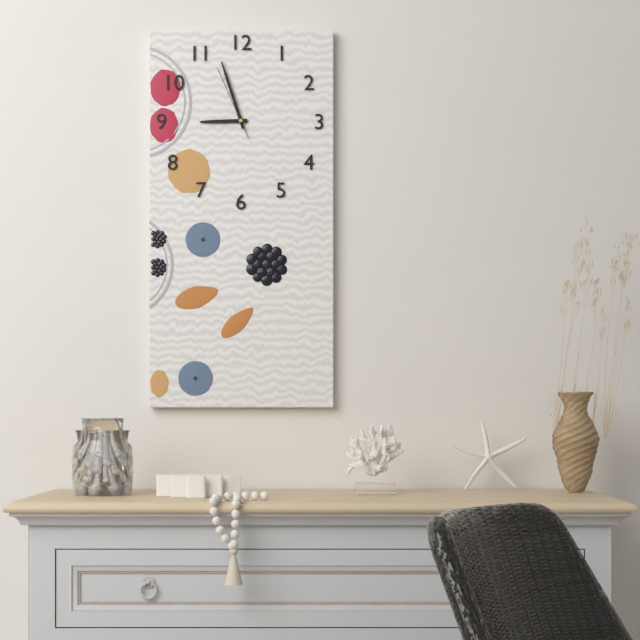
8.57.56
